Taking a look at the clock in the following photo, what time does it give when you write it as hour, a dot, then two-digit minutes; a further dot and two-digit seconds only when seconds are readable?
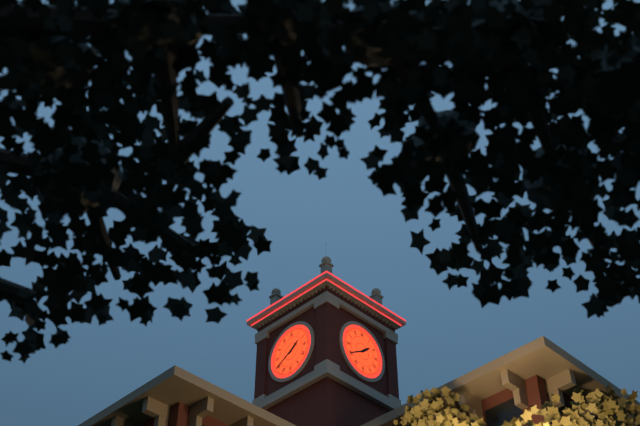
1.40
